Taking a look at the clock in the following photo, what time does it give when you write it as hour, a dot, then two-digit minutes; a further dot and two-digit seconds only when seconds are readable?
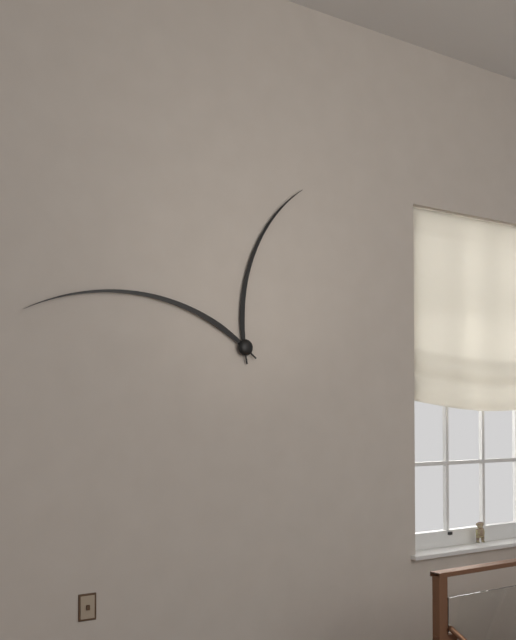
12.46
